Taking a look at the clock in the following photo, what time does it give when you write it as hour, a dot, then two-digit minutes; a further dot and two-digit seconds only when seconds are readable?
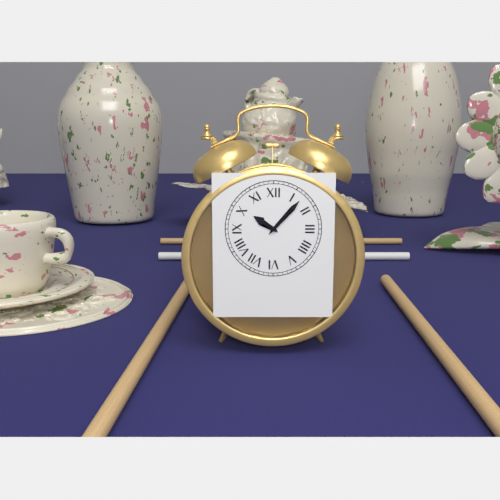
10.07
